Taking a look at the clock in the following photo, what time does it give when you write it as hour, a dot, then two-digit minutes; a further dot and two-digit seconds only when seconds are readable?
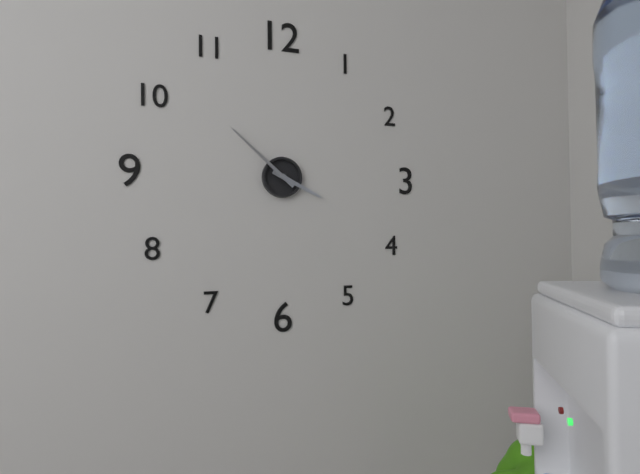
3.52
